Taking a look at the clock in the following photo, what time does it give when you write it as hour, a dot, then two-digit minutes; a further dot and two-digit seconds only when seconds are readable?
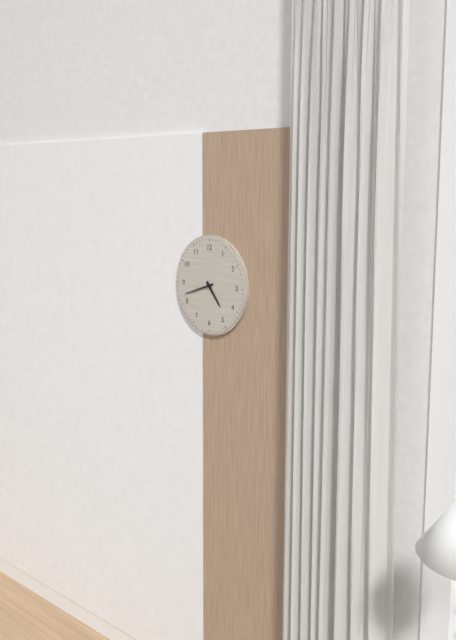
4.42
